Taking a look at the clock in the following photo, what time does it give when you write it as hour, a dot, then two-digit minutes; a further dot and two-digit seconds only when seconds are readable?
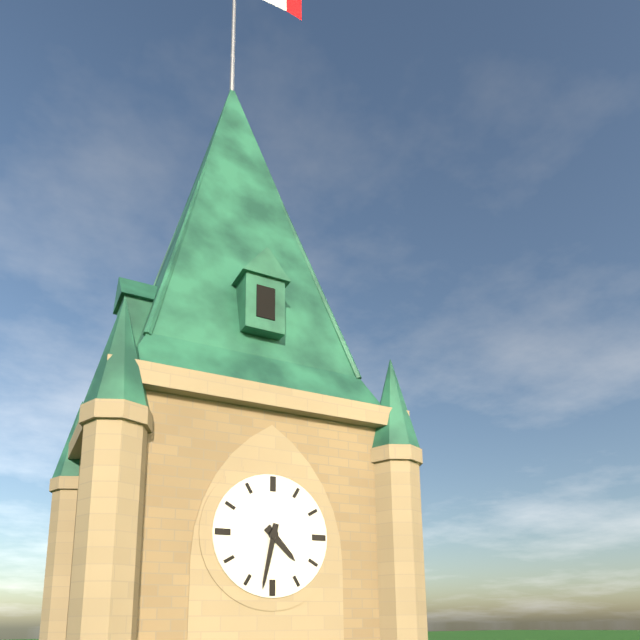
4.32
